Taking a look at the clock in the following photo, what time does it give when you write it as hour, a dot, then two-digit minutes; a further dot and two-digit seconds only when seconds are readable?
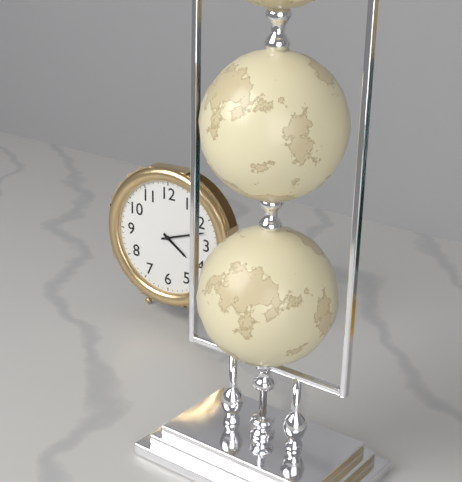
4.12
